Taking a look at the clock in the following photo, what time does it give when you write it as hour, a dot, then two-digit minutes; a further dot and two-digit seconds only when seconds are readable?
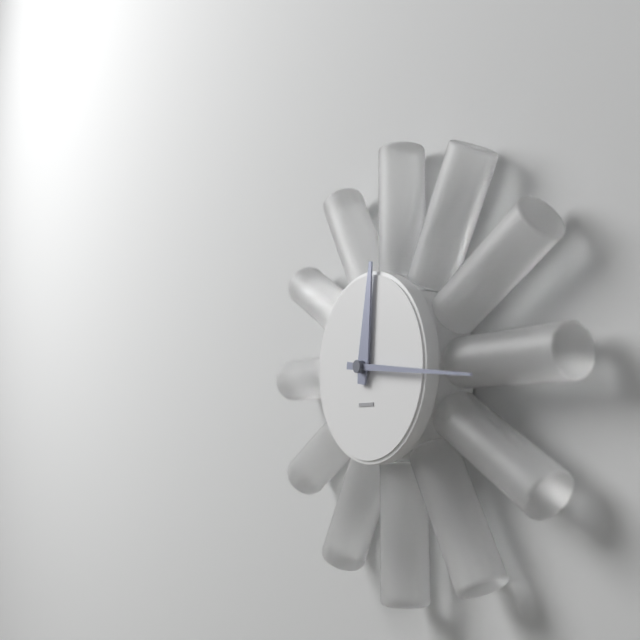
12.16
